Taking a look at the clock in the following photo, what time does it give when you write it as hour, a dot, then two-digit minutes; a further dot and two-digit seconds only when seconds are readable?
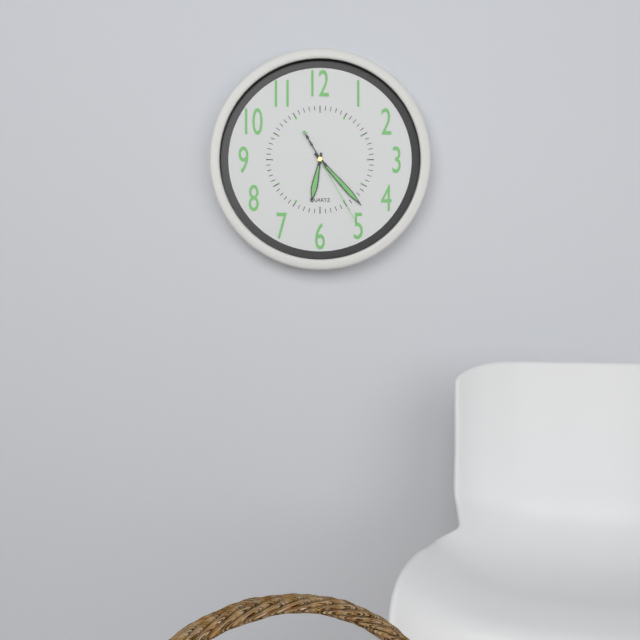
6.23.25
